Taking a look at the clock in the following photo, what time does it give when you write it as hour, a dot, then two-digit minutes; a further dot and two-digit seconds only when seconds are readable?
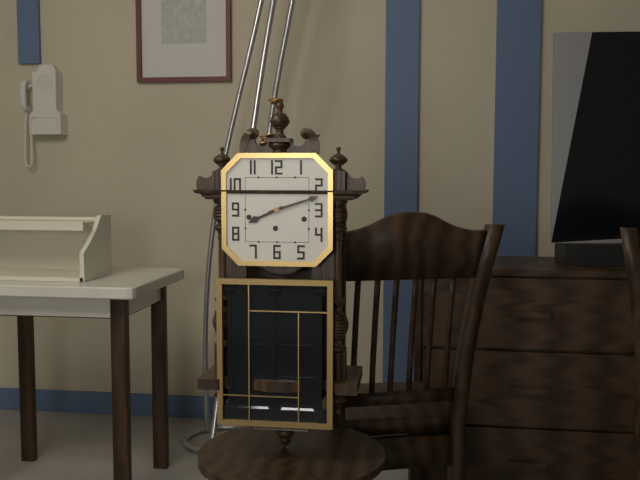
8.12
